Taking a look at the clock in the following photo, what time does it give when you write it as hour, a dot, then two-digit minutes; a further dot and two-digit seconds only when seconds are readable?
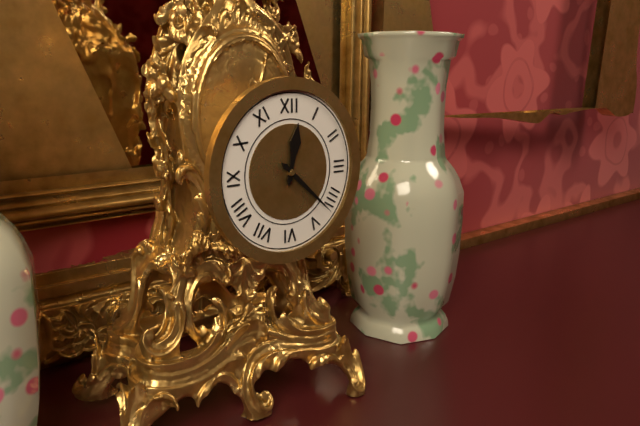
12.22
